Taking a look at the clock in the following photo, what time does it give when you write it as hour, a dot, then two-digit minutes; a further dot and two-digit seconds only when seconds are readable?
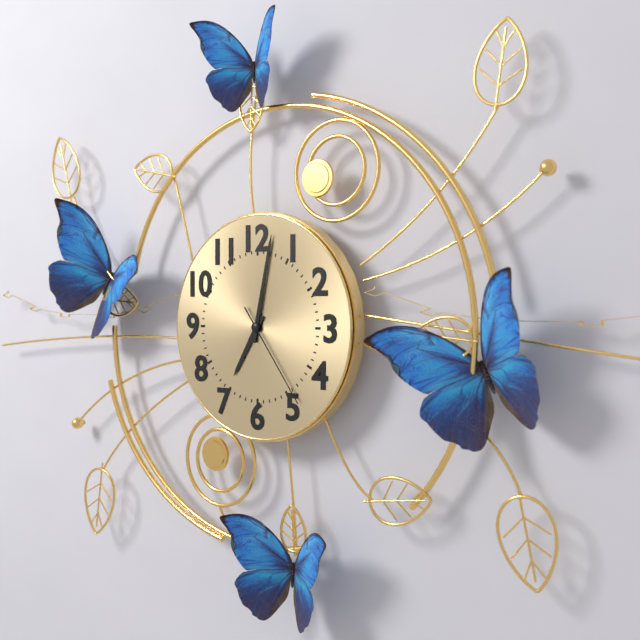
7.02.24
